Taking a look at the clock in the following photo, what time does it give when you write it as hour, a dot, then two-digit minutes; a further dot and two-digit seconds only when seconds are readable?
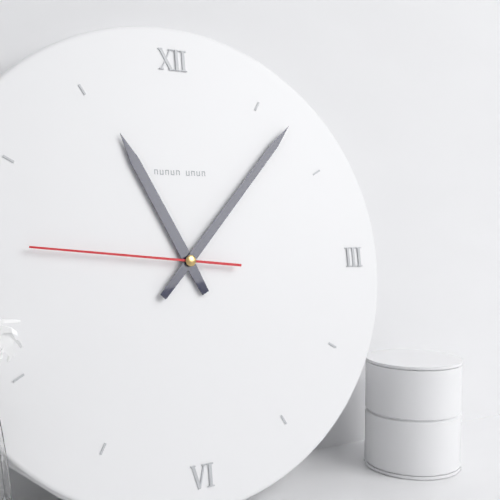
11.07.46
